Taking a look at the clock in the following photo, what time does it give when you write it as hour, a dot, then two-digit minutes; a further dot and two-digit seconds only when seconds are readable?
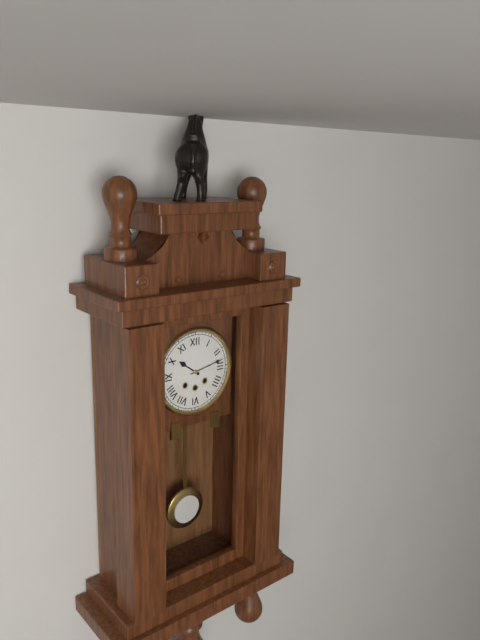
10.13
